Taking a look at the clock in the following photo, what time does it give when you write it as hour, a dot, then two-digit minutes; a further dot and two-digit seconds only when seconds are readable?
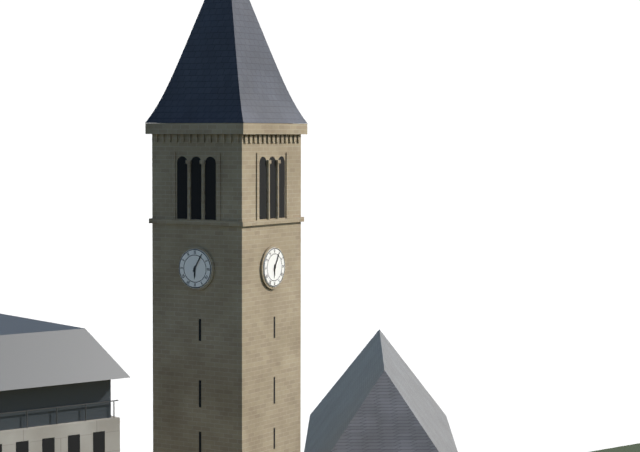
6.05
